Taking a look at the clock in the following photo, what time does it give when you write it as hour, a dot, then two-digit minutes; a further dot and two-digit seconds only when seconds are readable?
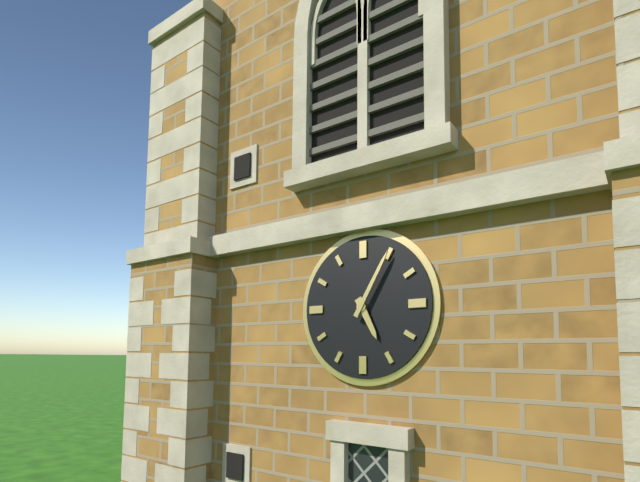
5.05
